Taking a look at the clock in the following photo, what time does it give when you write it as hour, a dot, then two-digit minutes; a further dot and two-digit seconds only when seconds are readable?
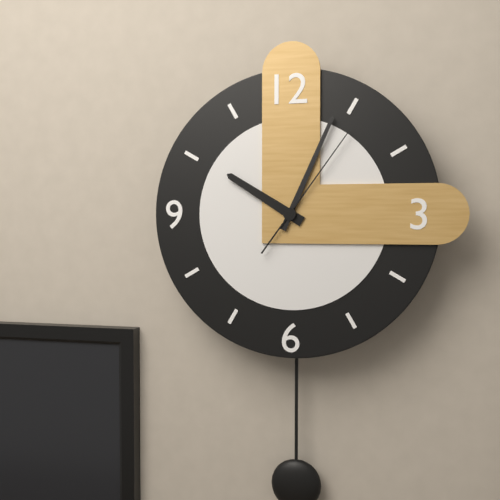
10.04.06
